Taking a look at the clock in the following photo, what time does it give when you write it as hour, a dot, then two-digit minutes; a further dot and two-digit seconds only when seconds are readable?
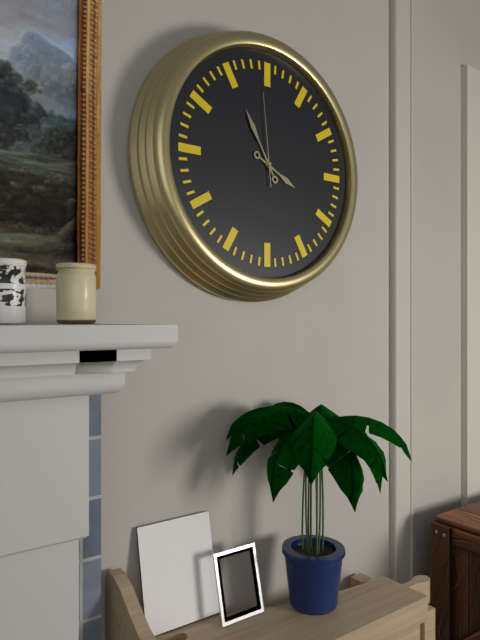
3.55.59
